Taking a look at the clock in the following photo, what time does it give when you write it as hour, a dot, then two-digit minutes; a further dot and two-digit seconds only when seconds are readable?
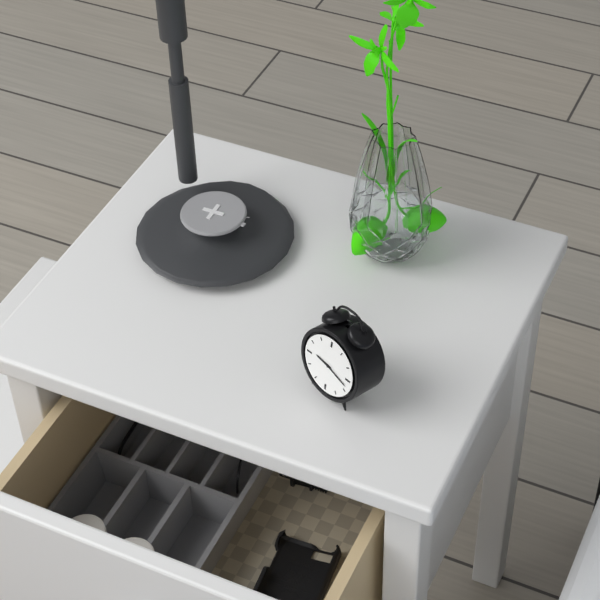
9.18
